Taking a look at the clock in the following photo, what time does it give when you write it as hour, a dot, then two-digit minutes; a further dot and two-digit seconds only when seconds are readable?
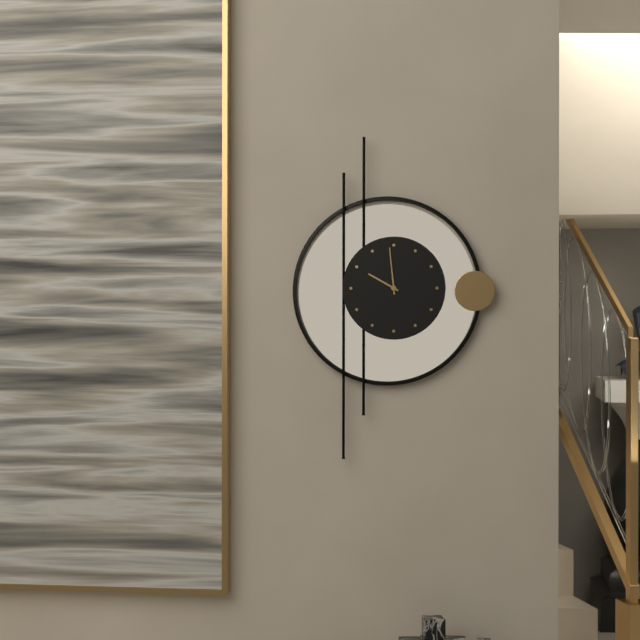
9.59
